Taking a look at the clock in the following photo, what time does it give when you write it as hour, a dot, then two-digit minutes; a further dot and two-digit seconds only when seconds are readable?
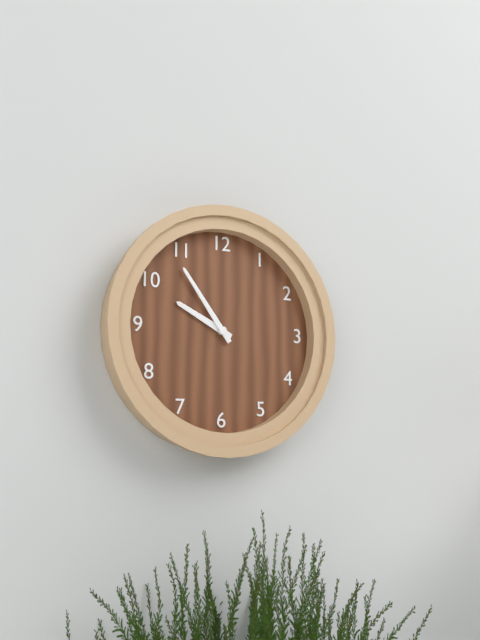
9.54
